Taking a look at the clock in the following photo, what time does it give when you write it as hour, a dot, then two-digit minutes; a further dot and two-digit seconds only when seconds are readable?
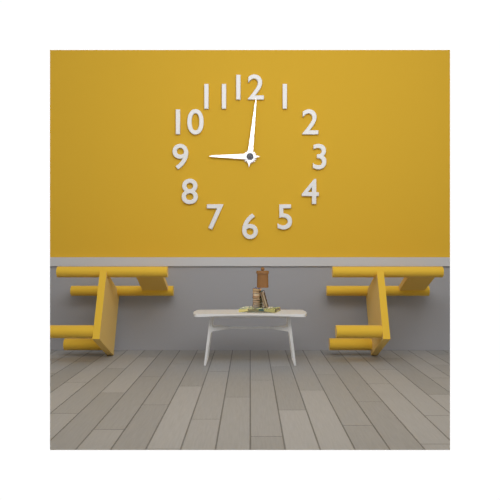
9.01
